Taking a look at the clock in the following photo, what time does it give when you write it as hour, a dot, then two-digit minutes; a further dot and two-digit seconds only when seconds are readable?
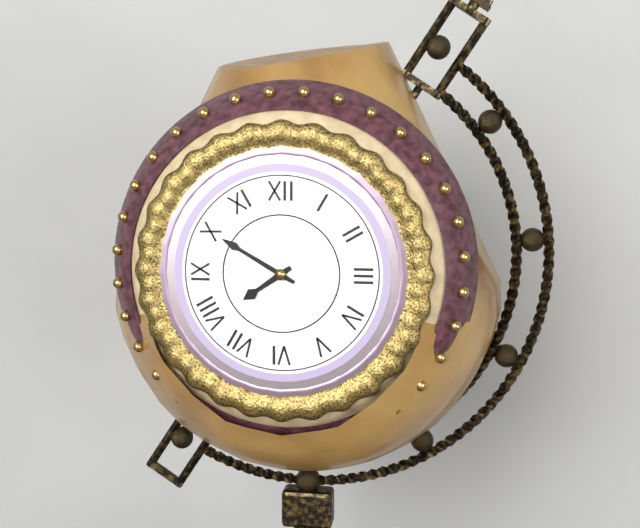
7.50
